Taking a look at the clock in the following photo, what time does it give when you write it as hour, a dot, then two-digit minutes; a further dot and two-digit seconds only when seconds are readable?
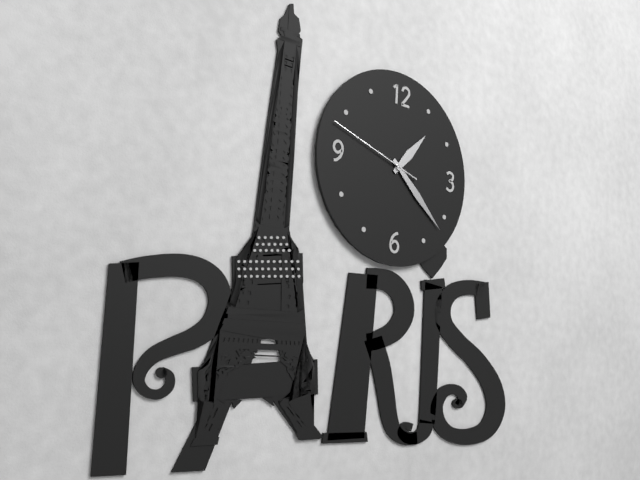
1.22.48
